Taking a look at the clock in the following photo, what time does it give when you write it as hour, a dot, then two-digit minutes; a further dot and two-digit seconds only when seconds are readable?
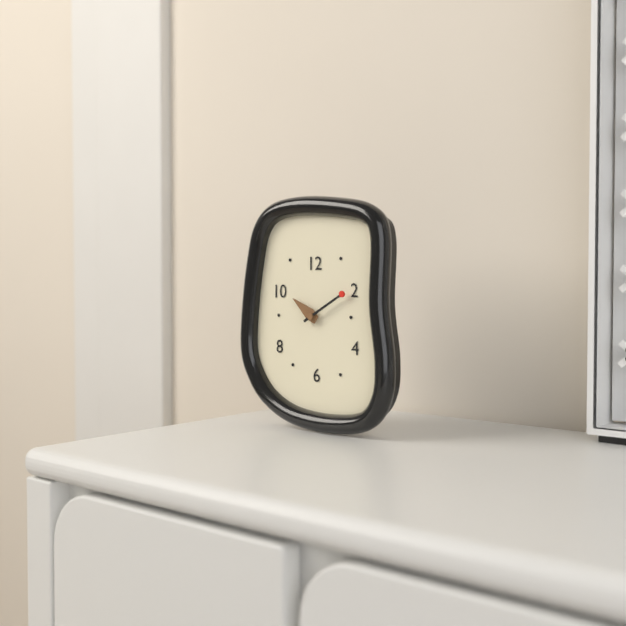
10.10
